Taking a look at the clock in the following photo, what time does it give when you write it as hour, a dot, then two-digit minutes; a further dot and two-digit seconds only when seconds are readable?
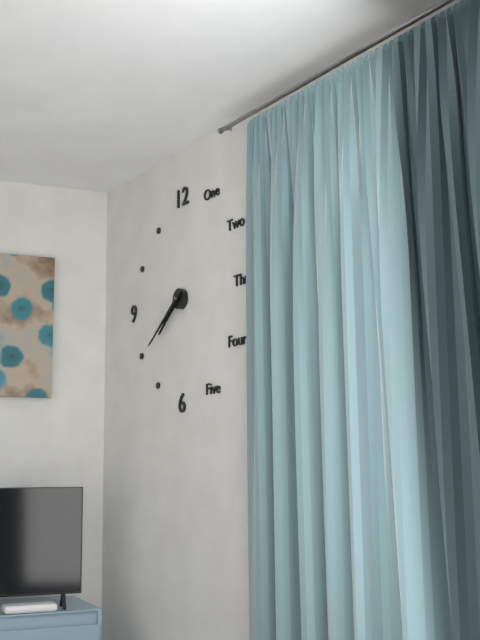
7.39
